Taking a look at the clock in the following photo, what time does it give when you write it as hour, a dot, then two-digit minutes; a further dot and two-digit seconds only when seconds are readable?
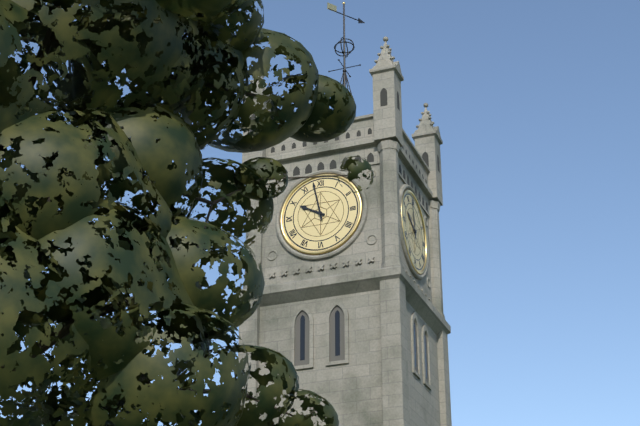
9.58
